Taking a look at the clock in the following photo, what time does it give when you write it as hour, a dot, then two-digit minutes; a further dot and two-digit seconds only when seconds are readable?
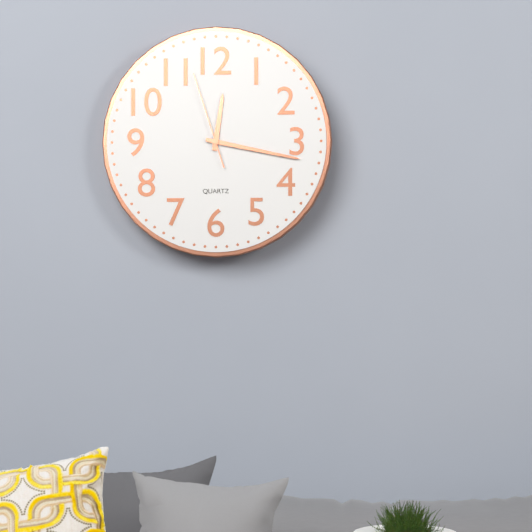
12.17.57
